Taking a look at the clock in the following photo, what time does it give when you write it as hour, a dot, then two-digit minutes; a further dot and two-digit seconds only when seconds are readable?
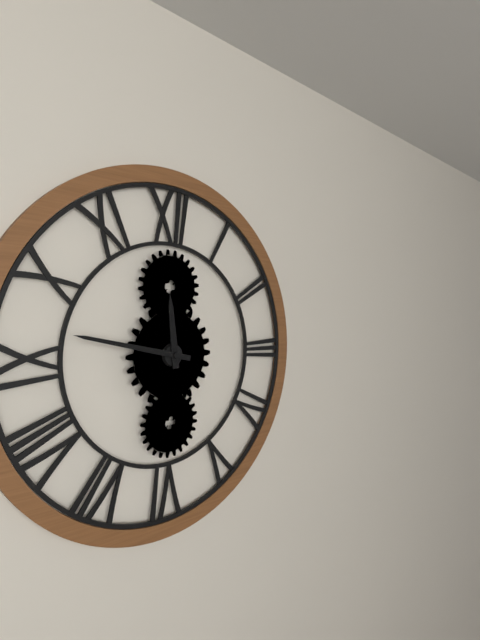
11.47
